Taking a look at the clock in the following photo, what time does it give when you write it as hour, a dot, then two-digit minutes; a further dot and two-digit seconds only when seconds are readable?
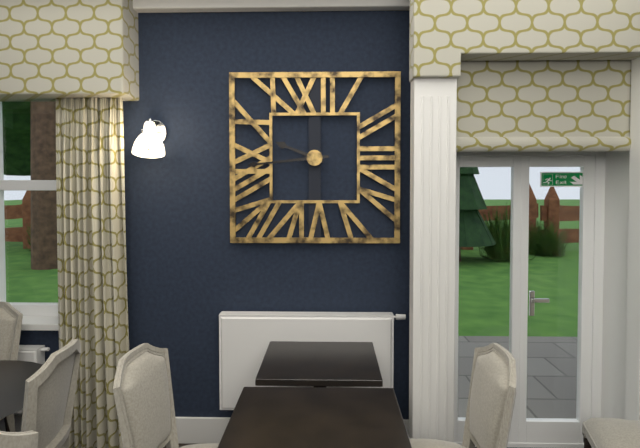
9.44
